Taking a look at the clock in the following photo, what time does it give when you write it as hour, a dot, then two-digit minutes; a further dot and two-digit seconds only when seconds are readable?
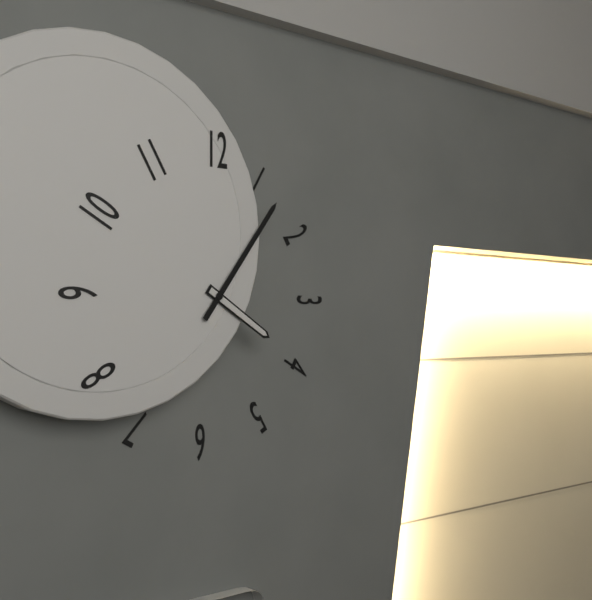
4.06
